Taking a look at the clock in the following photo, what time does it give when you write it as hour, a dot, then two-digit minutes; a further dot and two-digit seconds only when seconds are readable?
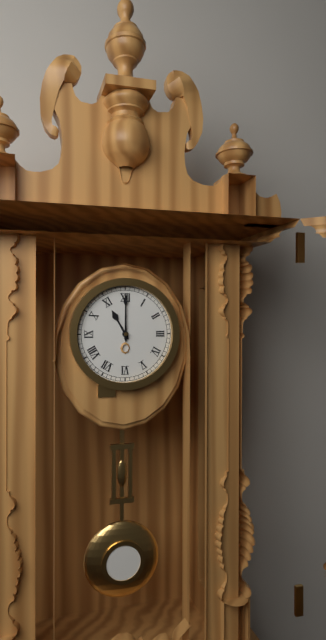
11.00
